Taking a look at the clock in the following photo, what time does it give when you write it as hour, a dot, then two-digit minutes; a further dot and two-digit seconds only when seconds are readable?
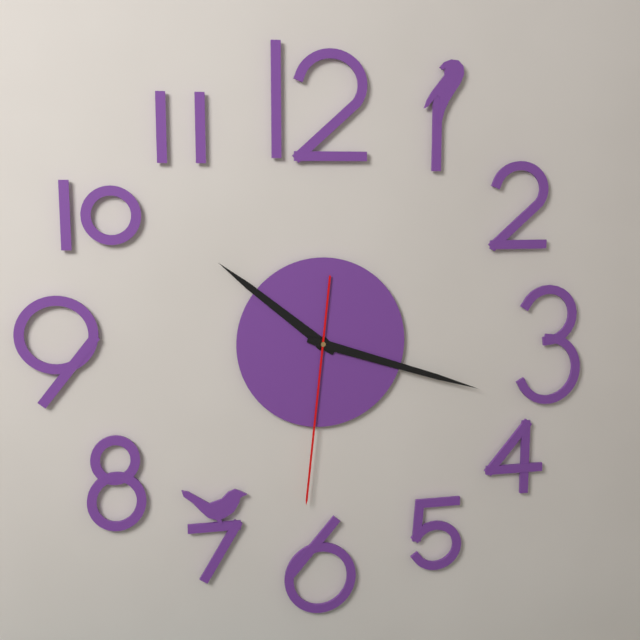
10.18.31
